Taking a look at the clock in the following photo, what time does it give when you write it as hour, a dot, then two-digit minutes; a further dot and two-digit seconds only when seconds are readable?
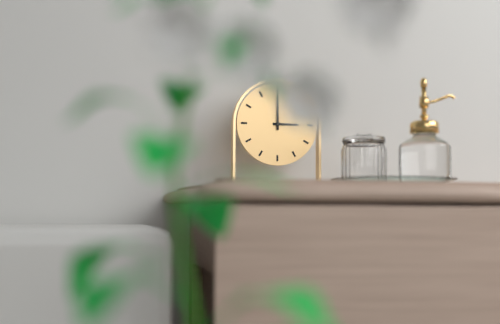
3.00
